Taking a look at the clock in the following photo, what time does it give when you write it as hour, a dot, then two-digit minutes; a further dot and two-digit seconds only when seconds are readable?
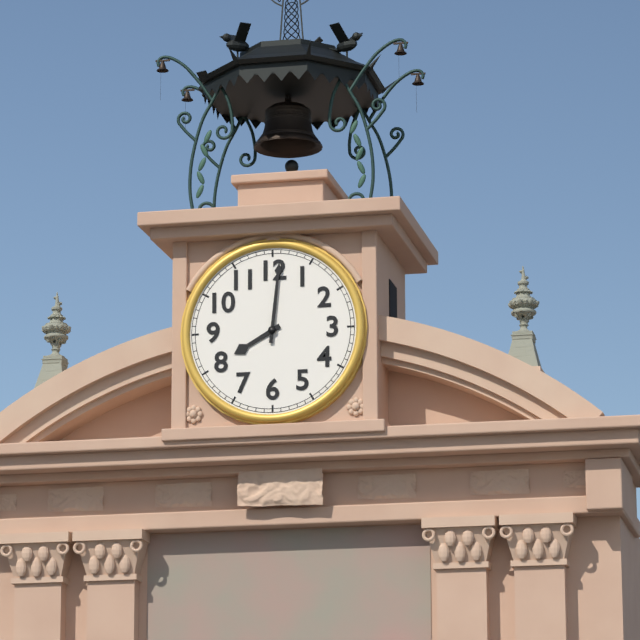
8.01
